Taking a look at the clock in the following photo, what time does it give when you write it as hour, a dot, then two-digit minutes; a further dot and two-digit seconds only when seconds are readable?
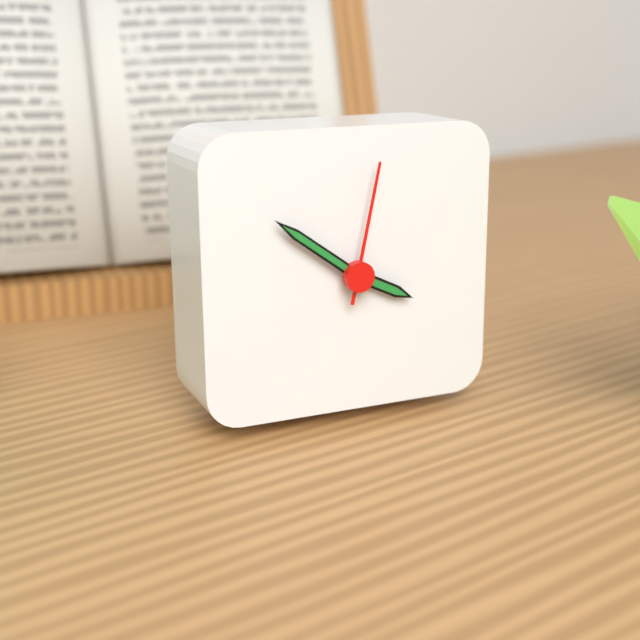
3.51.02
